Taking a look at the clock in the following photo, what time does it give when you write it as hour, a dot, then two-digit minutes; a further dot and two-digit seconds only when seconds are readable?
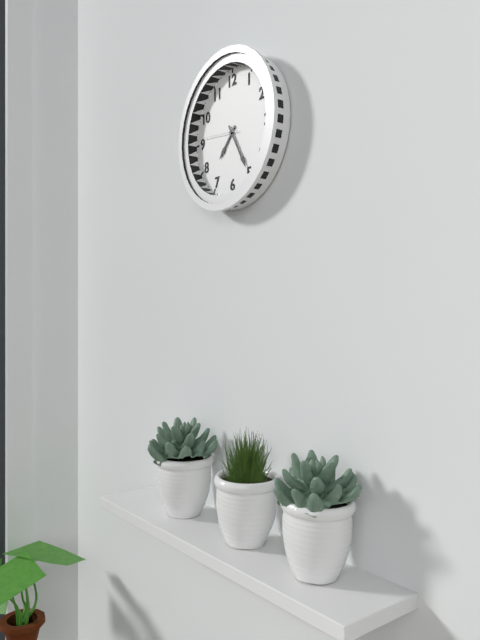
7.25
